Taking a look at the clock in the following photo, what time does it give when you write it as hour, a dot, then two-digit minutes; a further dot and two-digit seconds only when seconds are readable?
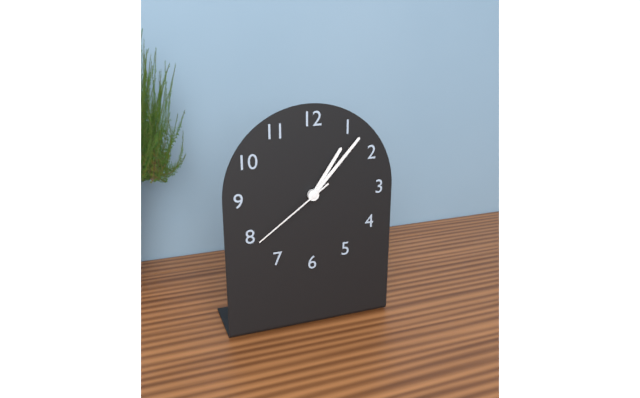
1.07.39
